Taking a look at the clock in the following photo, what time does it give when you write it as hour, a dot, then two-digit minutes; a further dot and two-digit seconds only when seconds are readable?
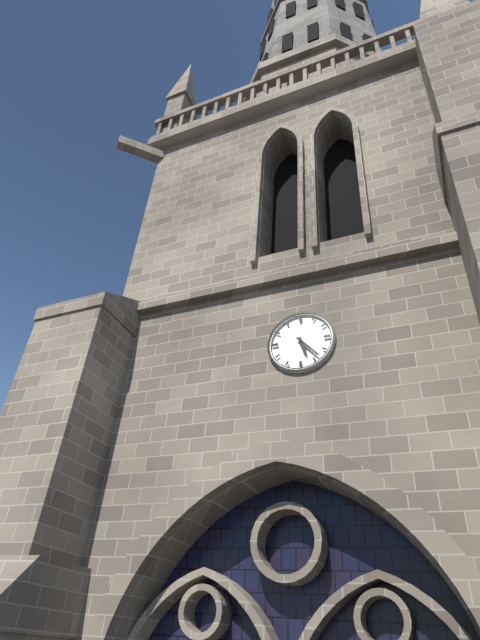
5.23
